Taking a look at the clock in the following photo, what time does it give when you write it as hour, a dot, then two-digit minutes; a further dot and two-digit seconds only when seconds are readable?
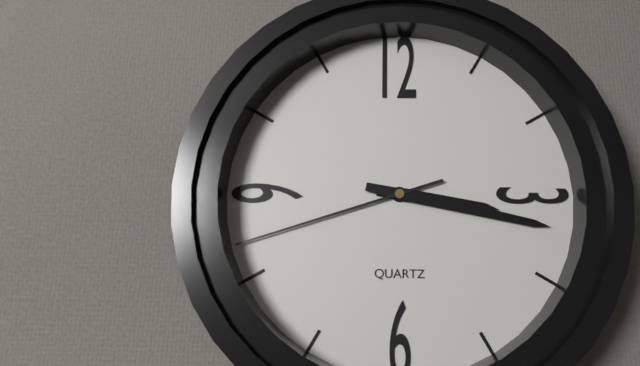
3.17.42
